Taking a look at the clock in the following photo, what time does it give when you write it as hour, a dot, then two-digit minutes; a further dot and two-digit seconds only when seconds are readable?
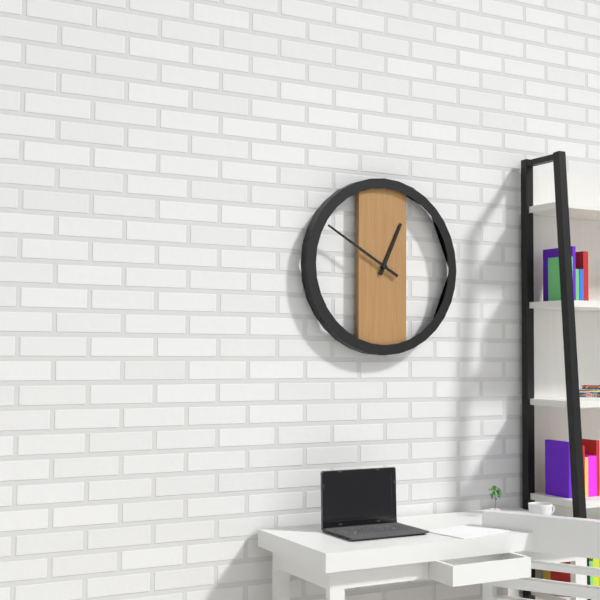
12.50
